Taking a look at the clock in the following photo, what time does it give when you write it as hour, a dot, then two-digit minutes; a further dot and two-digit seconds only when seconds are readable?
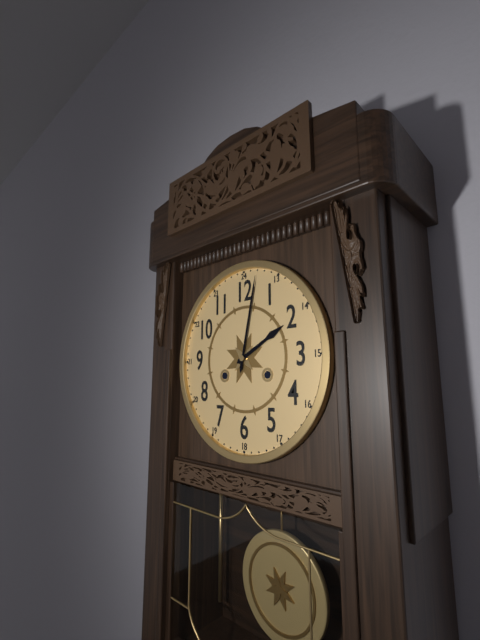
2.02
